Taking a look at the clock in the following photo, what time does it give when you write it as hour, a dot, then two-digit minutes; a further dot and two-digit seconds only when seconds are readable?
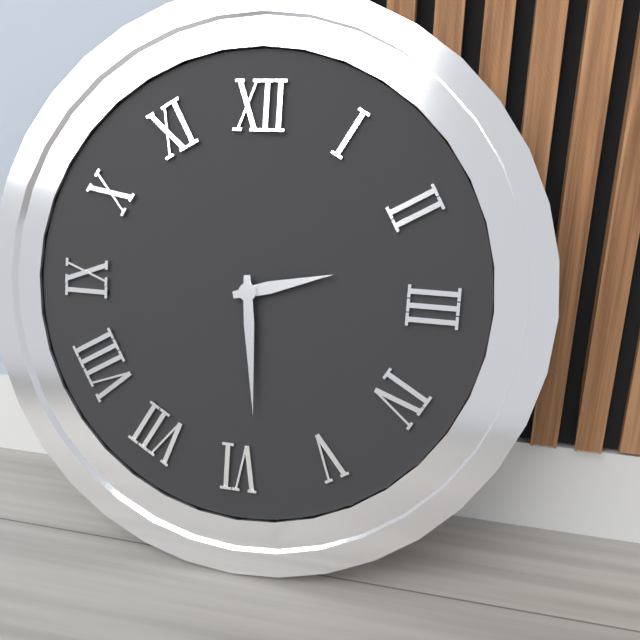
2.29
